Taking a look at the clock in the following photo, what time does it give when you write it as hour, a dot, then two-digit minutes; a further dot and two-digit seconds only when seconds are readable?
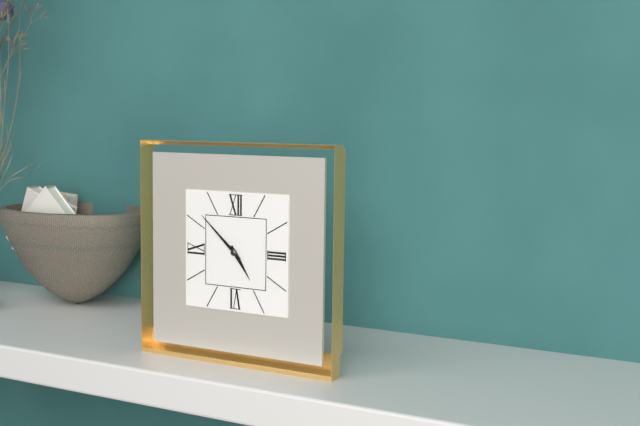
4.52
